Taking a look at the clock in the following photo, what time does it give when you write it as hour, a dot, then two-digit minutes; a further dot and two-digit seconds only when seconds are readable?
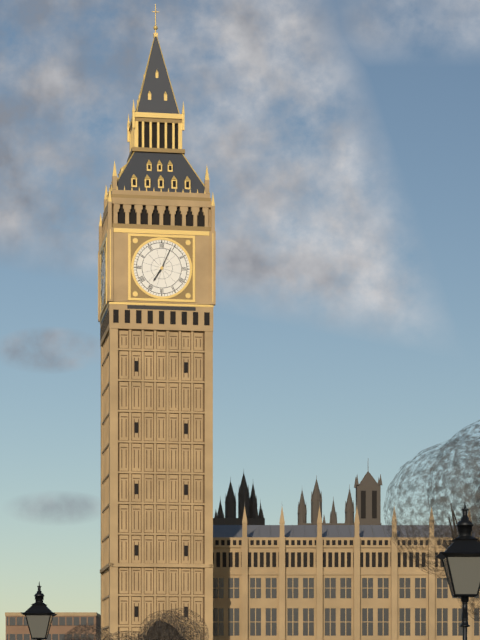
7.04
